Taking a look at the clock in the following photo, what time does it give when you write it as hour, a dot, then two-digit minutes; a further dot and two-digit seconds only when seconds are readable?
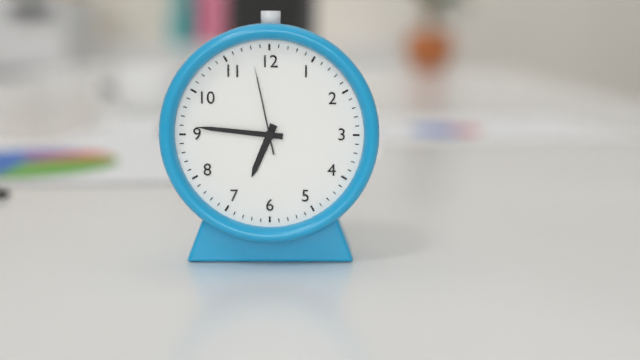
6.46.58
